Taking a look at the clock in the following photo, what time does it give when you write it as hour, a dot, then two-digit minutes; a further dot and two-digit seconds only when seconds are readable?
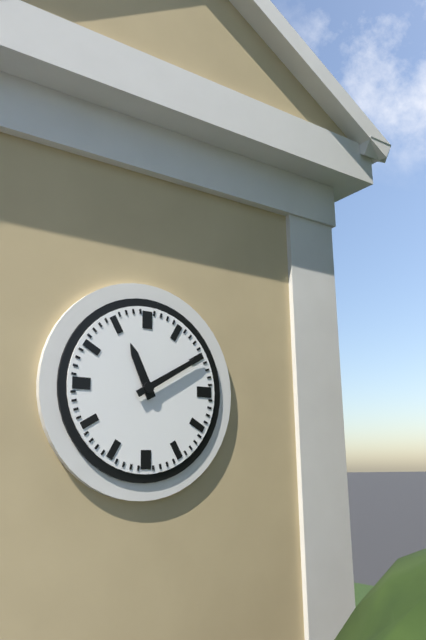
11.10
